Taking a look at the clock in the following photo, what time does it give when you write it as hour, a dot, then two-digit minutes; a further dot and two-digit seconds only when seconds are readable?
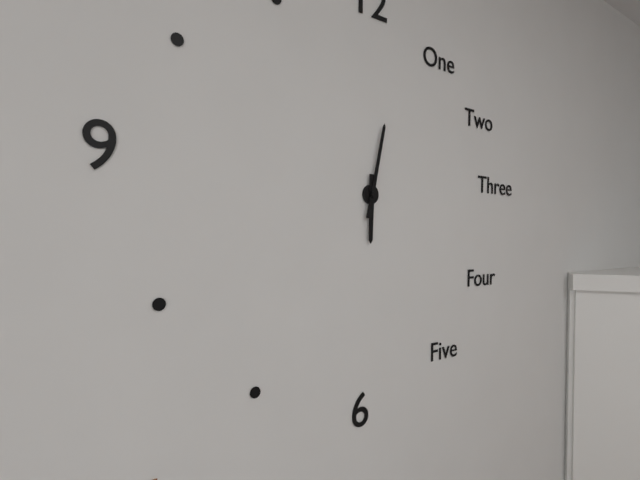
6.02
